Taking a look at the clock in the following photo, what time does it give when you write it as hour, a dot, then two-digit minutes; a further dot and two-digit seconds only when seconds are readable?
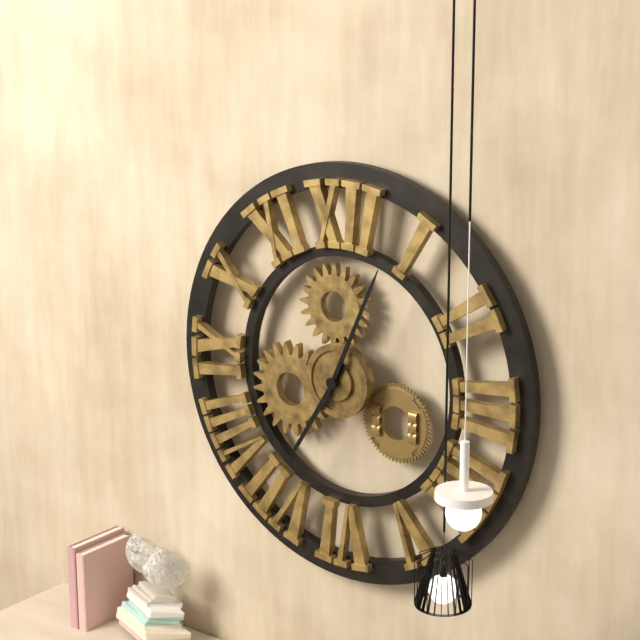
7.04
